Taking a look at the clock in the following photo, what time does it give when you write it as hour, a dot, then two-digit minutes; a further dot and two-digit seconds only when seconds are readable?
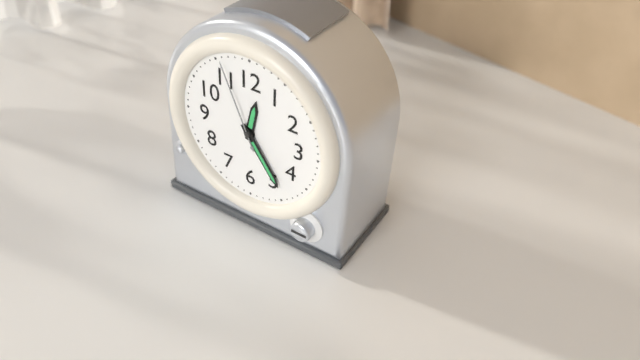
12.24.56
